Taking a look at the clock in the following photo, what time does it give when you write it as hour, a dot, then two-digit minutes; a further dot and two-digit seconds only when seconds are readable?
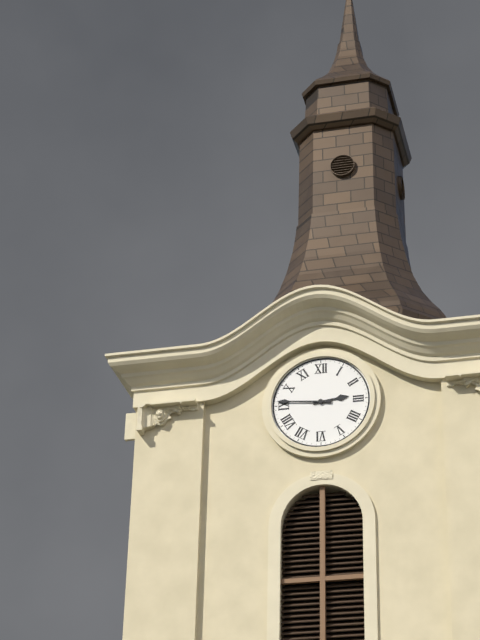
2.46
